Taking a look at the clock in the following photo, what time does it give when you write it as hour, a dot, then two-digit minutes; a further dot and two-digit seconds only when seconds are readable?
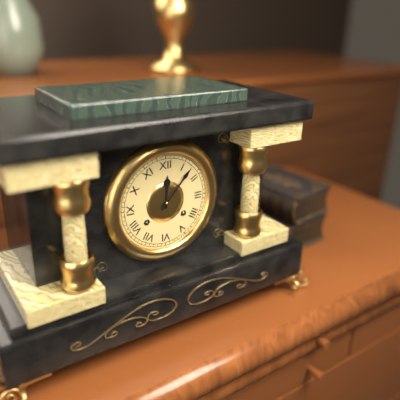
12.07
